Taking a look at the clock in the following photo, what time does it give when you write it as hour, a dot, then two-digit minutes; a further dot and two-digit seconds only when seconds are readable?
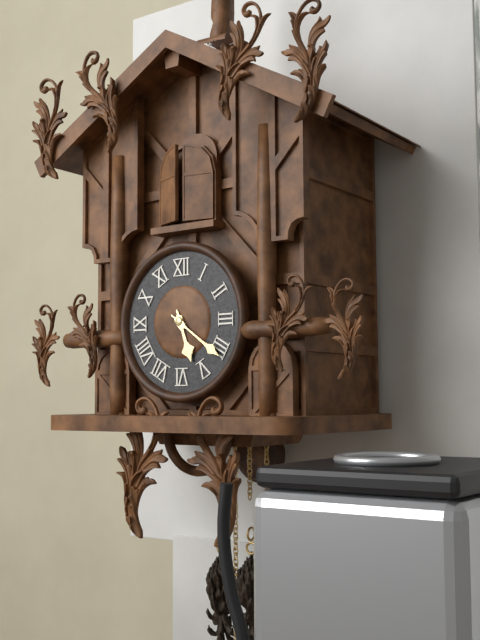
5.21
